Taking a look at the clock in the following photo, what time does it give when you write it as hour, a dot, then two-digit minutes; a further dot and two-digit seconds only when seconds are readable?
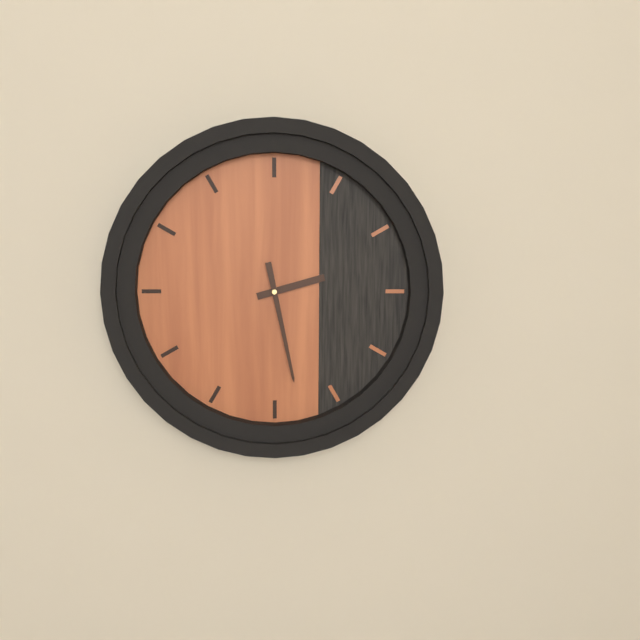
2.28
